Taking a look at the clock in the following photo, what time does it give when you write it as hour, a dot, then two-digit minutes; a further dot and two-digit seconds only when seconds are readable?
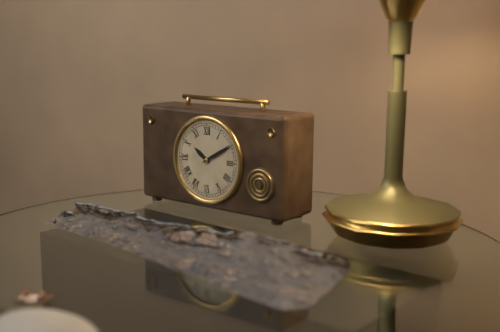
10.10
